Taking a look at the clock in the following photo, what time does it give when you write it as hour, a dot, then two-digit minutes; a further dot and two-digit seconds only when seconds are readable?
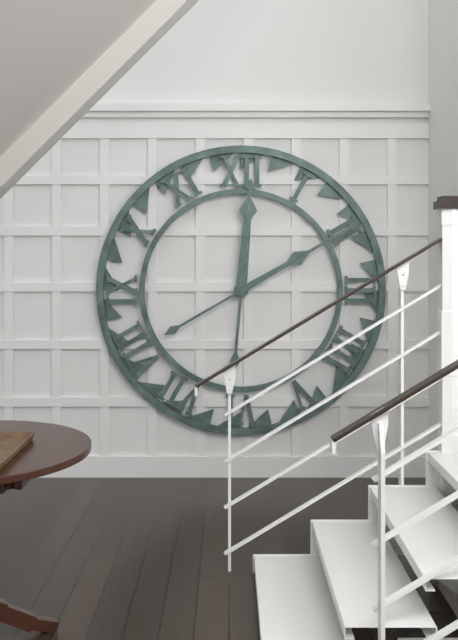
12.10
